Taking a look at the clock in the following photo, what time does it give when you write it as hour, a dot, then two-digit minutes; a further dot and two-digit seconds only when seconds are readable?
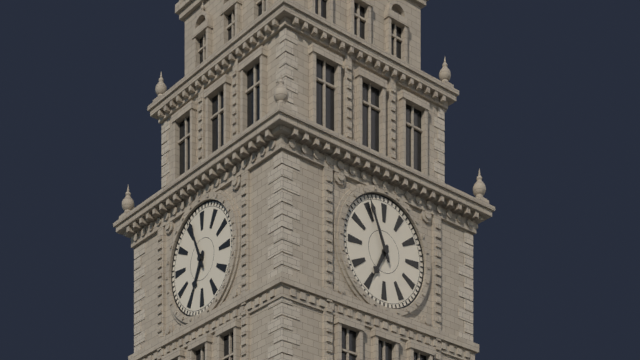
6.56
